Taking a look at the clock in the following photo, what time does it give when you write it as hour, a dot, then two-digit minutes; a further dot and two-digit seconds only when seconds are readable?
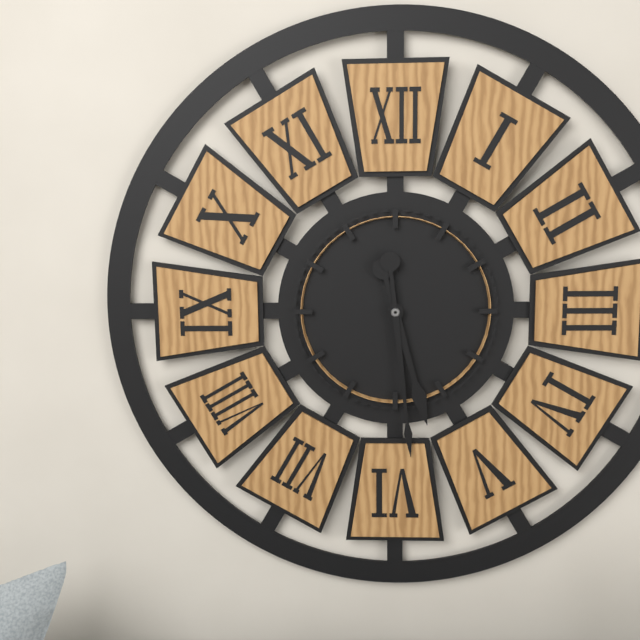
5.29
